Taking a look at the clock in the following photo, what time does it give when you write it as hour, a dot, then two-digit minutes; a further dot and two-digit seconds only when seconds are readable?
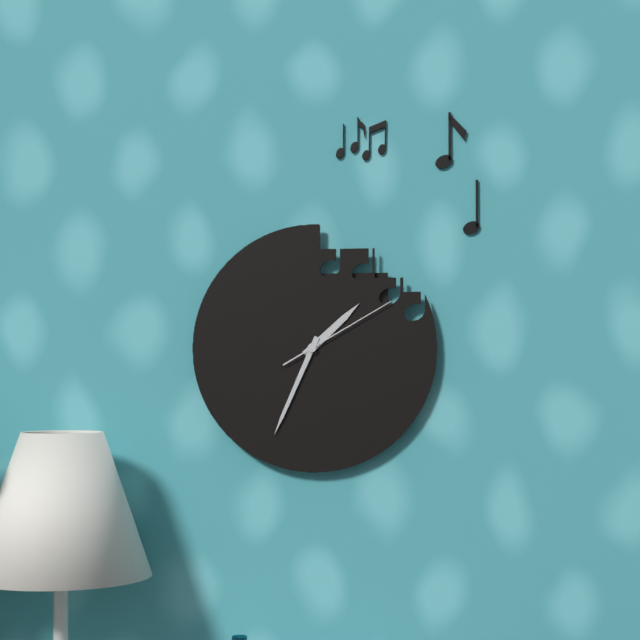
1.34.10
